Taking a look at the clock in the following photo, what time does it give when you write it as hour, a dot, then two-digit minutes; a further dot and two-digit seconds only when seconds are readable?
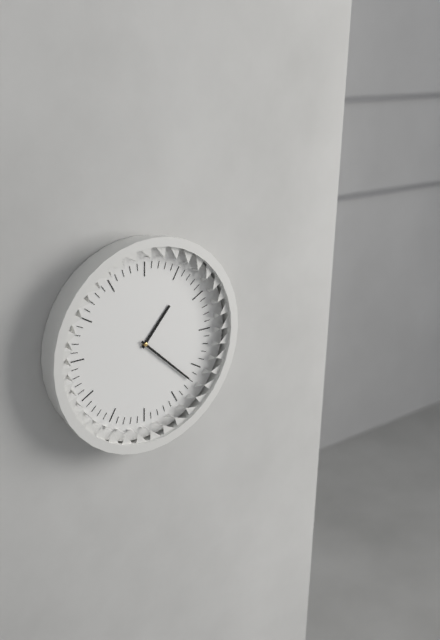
1.22
